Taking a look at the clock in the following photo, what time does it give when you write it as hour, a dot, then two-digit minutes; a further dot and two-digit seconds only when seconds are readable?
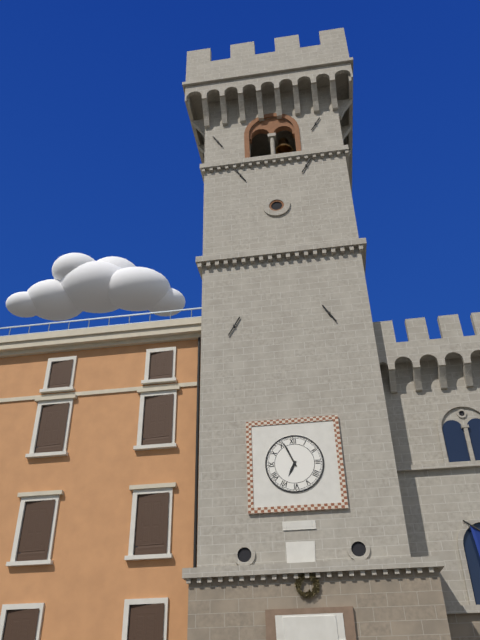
6.56
